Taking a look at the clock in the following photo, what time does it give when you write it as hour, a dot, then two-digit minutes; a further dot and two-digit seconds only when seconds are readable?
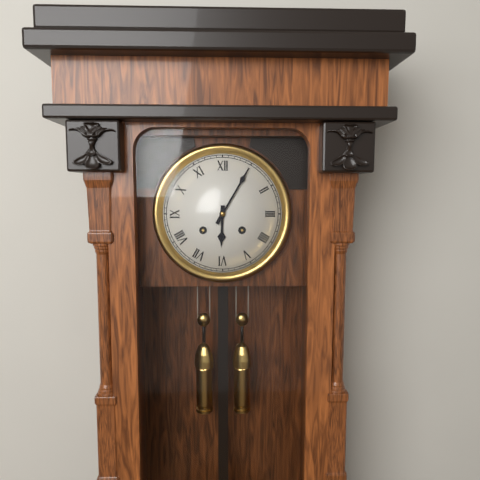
6.05
